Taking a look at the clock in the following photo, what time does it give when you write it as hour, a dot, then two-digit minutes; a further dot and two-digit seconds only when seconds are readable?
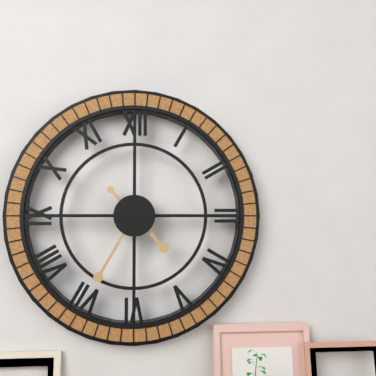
4.35
